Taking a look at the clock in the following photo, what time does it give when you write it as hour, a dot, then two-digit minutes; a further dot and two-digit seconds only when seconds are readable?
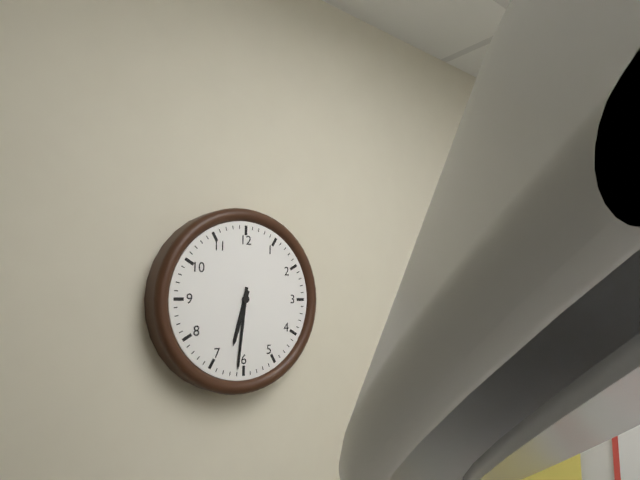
6.31
